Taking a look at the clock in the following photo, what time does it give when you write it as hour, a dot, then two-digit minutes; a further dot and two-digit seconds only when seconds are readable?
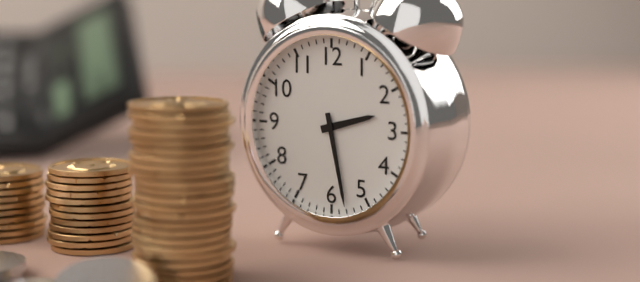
2.28
